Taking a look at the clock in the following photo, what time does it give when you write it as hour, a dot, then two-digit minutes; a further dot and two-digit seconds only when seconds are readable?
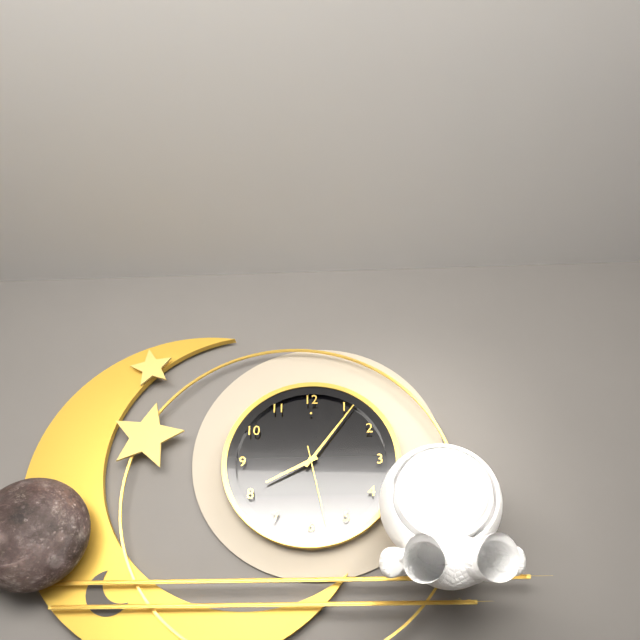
8.06.28
